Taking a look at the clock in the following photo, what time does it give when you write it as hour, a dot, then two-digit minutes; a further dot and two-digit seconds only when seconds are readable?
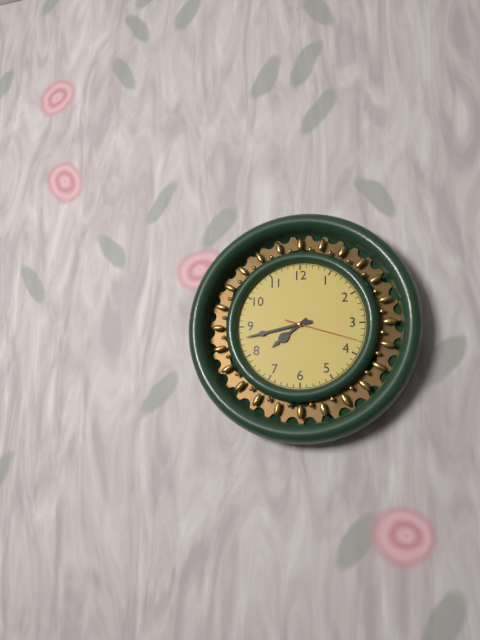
7.43.18
